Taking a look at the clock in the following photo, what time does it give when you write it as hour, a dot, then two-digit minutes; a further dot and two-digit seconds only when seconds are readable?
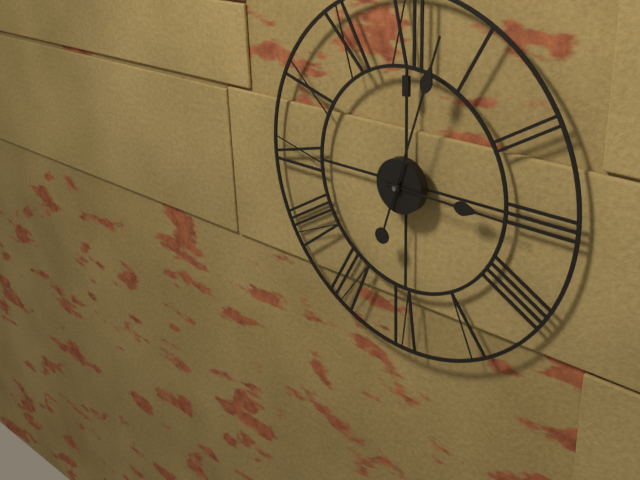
3.03
